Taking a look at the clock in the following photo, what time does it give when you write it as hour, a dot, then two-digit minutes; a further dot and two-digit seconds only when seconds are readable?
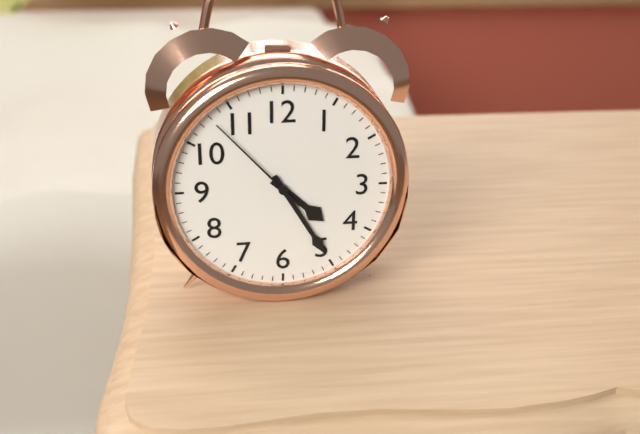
4.25.53
